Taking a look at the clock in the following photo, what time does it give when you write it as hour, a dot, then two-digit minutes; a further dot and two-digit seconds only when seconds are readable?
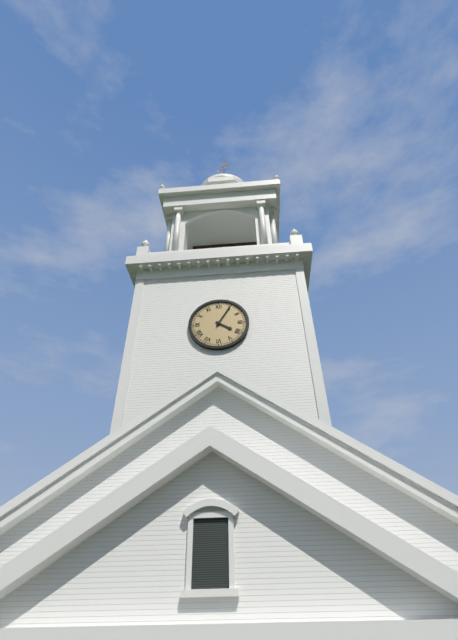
4.05
